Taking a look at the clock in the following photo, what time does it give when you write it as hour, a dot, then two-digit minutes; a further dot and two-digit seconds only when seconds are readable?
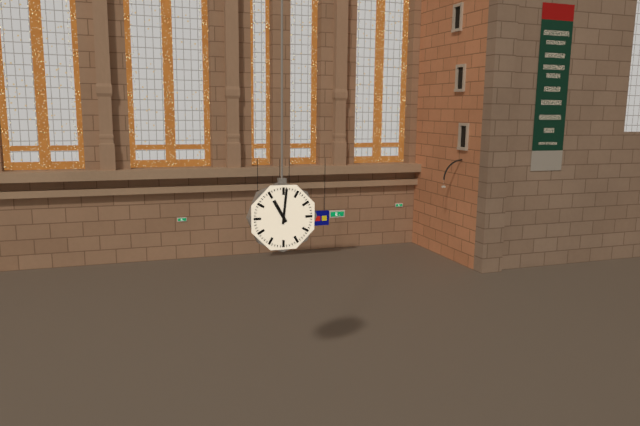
11.01
